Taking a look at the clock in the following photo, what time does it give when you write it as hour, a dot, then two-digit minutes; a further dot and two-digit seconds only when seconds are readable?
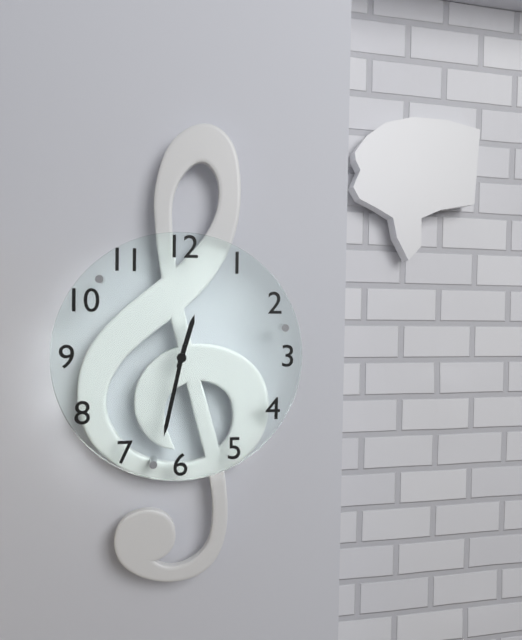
12.32
